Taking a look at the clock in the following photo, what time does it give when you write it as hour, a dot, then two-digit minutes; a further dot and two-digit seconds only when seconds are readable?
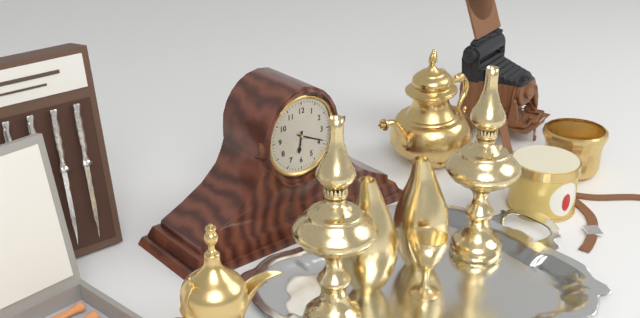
6.19
